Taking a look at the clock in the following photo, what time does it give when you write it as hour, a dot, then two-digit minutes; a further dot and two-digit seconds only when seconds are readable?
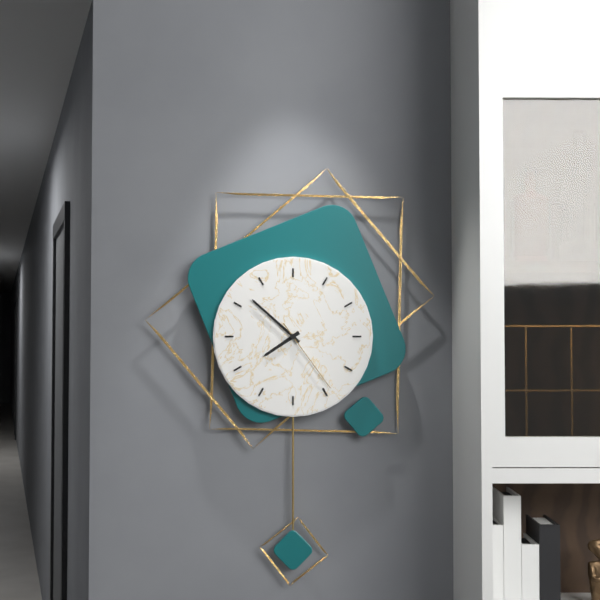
7.52.24
